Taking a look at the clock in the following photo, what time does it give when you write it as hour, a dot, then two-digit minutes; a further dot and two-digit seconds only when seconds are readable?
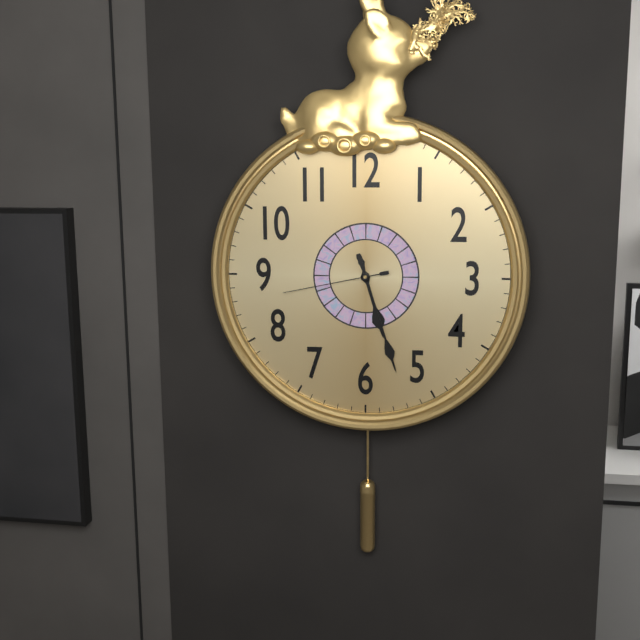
5.27.43
